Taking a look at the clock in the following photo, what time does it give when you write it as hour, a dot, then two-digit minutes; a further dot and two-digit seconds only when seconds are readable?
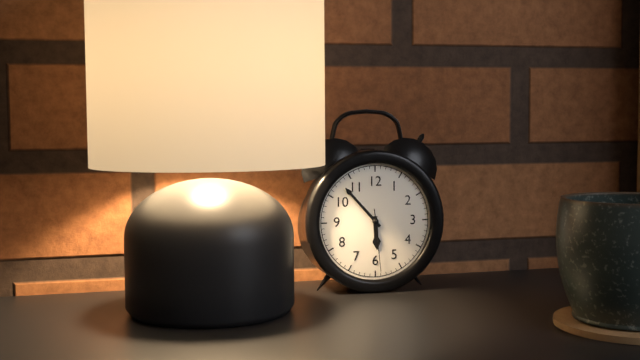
5.53.29
